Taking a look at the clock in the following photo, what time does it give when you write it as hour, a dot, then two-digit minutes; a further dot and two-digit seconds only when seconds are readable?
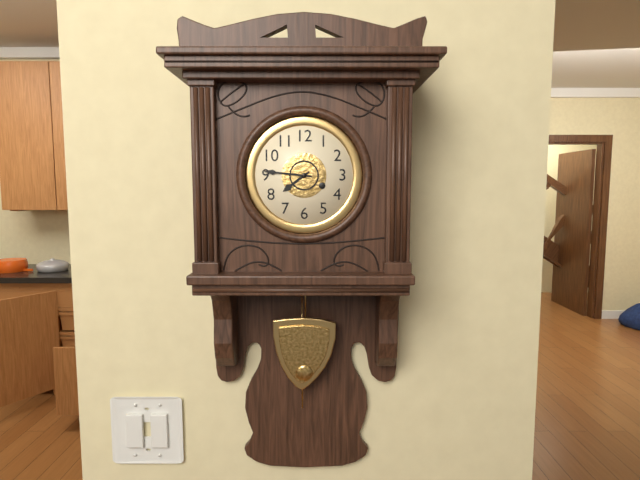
7.46
